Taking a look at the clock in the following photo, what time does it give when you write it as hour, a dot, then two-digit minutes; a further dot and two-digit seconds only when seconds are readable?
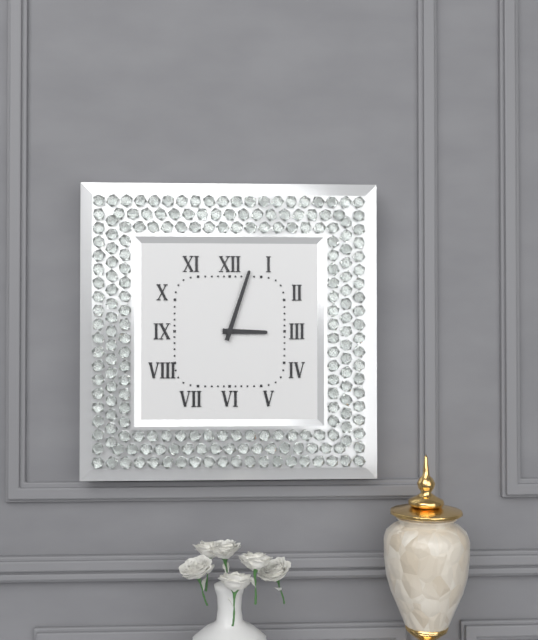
3.03
